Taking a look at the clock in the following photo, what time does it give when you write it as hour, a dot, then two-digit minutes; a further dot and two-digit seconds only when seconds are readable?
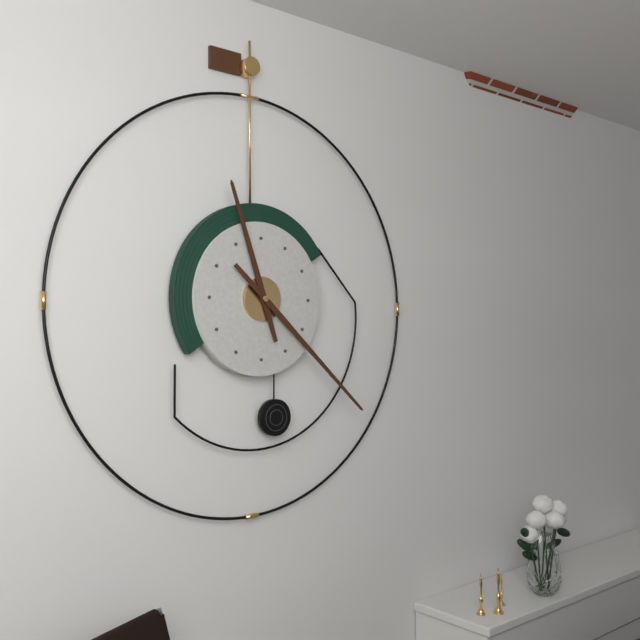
11.22
